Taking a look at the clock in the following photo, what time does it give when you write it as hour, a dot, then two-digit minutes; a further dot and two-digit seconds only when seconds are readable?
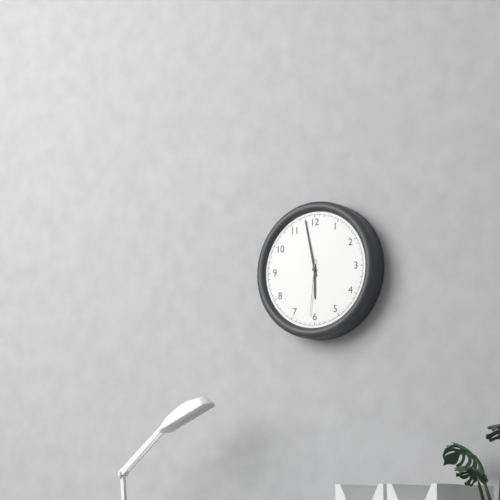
5.58.31
